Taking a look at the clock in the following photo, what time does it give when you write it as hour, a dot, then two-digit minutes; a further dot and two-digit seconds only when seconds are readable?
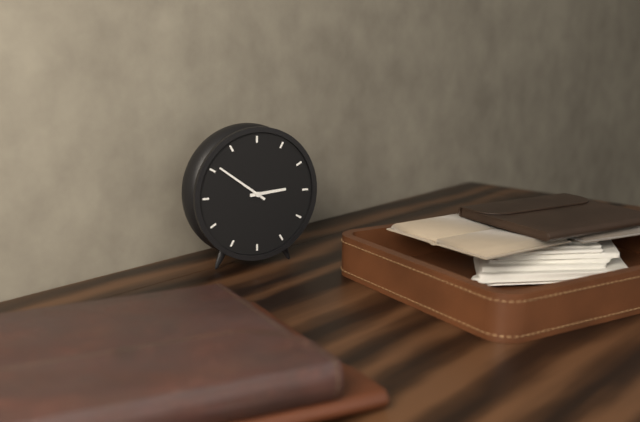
2.51
